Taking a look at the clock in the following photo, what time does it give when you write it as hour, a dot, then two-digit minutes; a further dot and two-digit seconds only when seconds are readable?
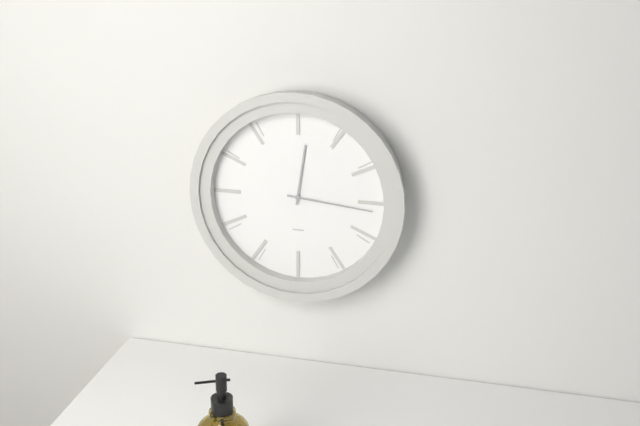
12.16
